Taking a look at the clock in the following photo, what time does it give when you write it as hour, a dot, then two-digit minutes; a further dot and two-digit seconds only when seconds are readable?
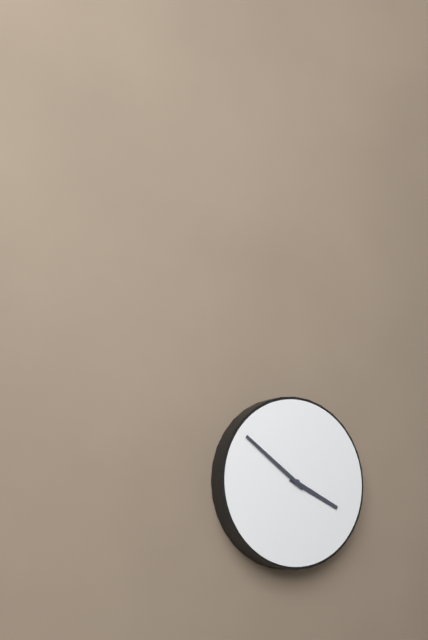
3.51
